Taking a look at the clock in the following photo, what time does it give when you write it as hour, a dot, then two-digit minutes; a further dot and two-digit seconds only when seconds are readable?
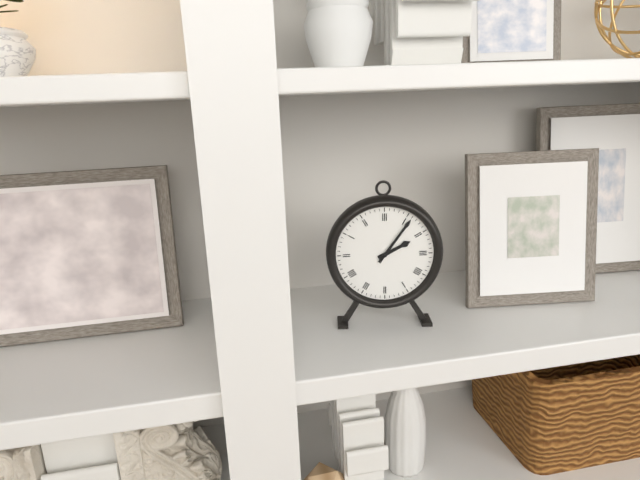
2.06
